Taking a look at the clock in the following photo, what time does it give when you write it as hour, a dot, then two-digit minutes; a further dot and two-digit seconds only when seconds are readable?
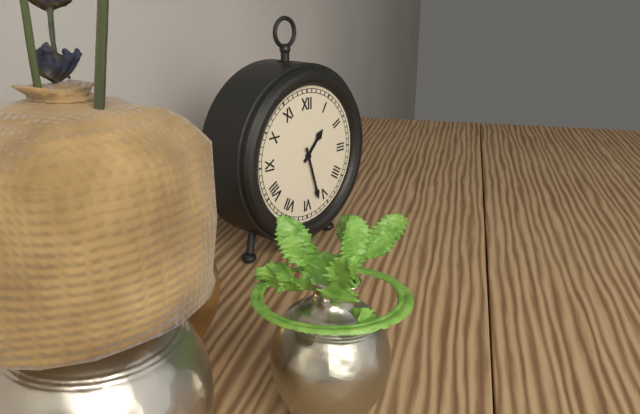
1.27
